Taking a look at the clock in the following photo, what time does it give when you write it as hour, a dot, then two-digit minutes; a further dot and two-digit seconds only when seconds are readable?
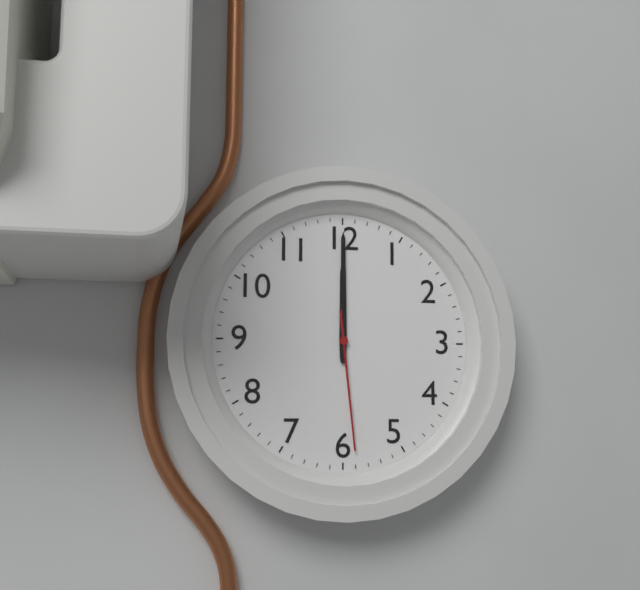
12.00.29
